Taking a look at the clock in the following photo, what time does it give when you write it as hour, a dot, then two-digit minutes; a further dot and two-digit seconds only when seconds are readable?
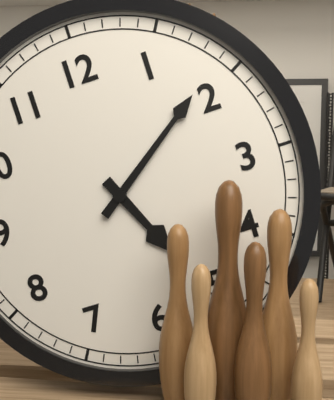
5.09
